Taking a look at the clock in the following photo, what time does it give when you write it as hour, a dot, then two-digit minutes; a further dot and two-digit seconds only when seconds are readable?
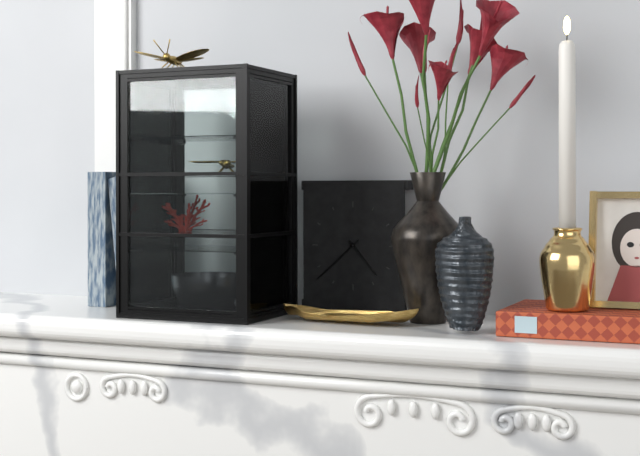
4.38
